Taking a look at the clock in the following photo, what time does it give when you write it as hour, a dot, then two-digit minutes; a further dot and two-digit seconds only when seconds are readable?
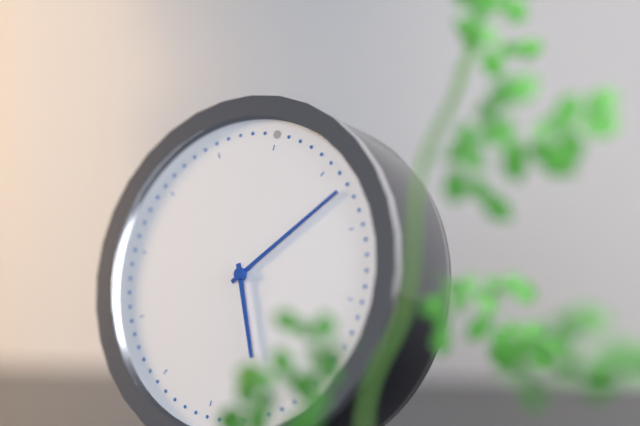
5.07
